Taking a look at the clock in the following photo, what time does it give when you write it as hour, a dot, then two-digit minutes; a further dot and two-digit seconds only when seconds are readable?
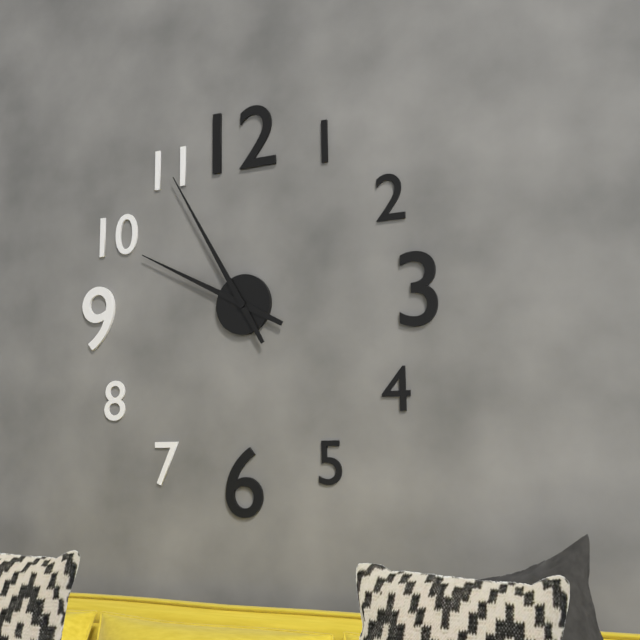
9.55
